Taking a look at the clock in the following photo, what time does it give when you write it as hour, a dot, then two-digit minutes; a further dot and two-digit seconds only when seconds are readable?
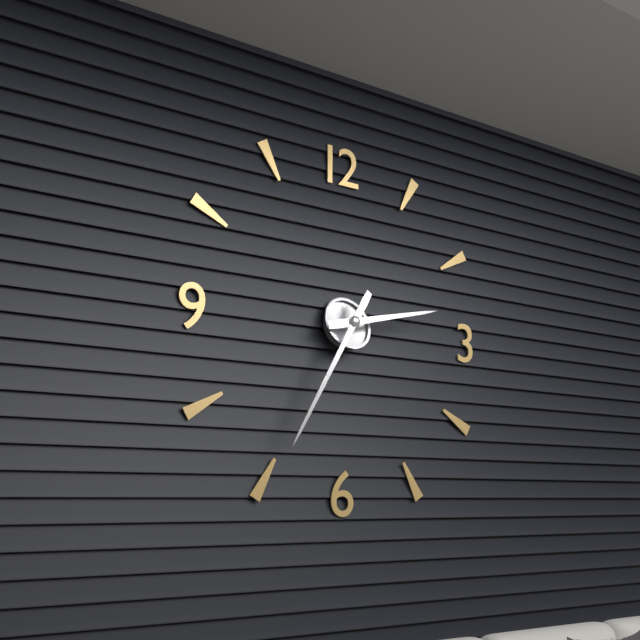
2.35
